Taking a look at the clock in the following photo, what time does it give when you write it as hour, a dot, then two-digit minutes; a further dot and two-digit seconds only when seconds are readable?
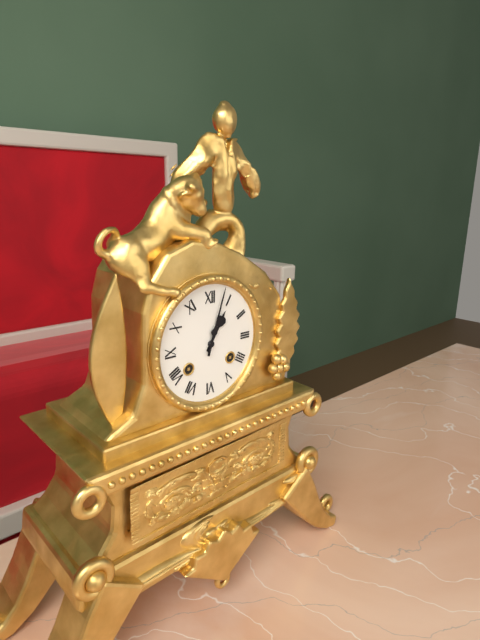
1.03
